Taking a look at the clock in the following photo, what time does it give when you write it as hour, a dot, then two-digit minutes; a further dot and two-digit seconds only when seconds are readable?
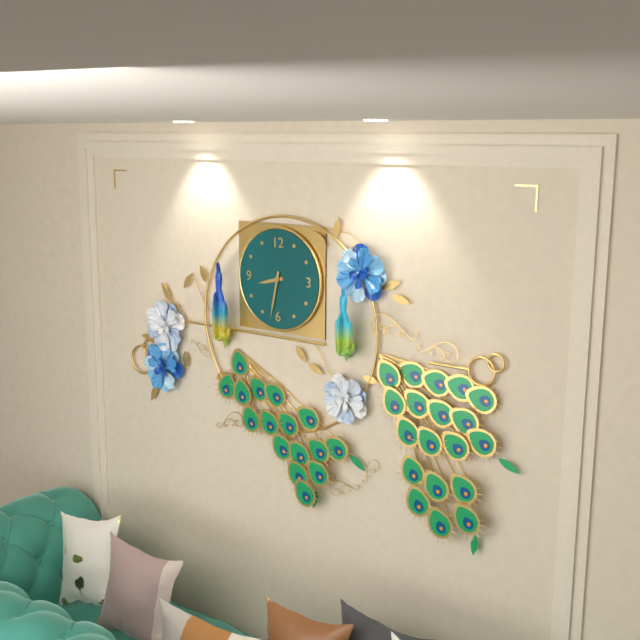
8.32
